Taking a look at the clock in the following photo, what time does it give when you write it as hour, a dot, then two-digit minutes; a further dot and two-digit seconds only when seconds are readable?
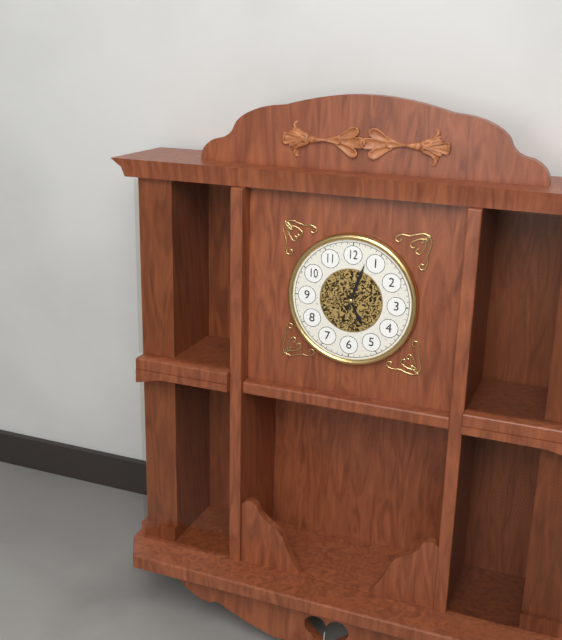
5.03
